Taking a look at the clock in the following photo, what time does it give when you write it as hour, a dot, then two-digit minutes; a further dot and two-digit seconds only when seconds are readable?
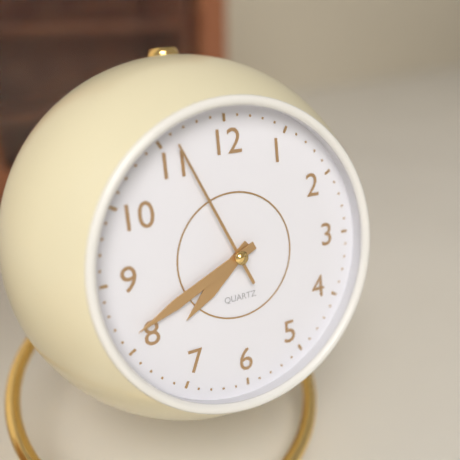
7.41.56
